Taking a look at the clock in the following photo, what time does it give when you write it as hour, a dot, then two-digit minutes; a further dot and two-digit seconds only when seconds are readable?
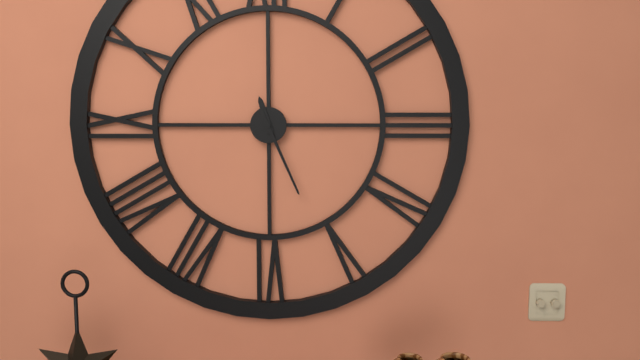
11.26
